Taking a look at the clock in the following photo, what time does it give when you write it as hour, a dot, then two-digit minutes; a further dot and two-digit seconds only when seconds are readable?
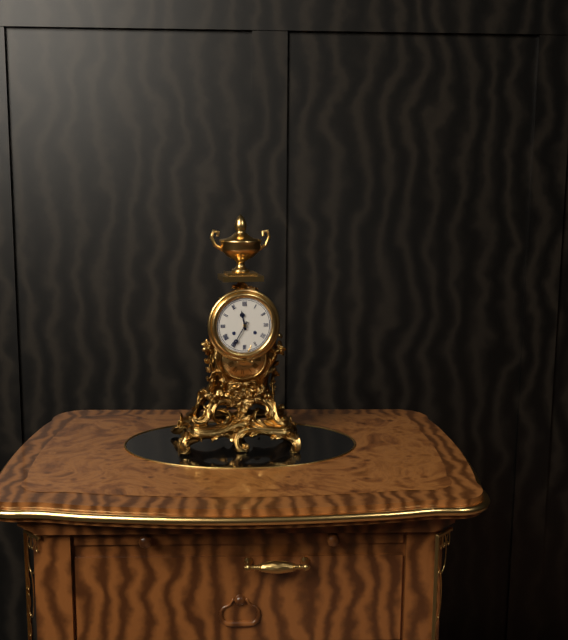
11.35
